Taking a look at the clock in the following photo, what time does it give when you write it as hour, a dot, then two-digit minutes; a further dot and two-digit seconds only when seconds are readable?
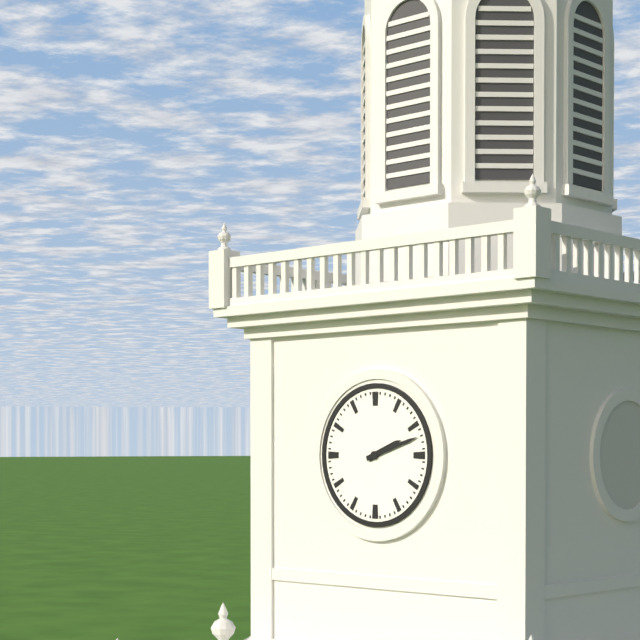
2.12
